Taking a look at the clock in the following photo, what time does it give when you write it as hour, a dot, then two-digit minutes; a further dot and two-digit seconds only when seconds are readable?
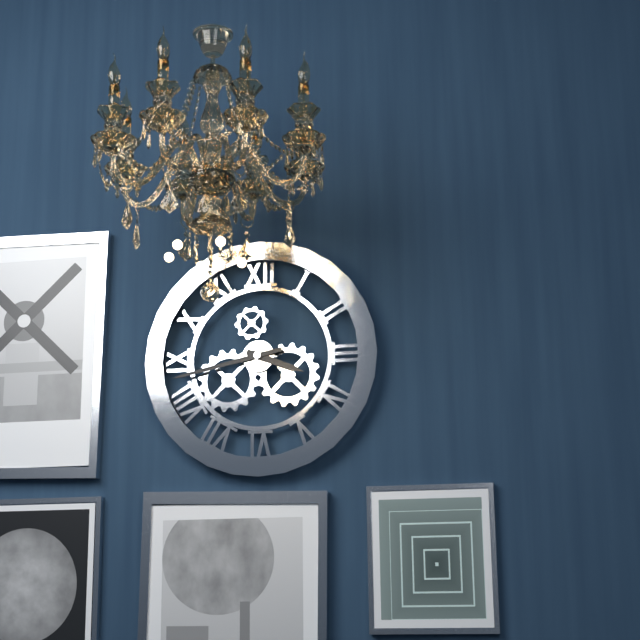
3.43
